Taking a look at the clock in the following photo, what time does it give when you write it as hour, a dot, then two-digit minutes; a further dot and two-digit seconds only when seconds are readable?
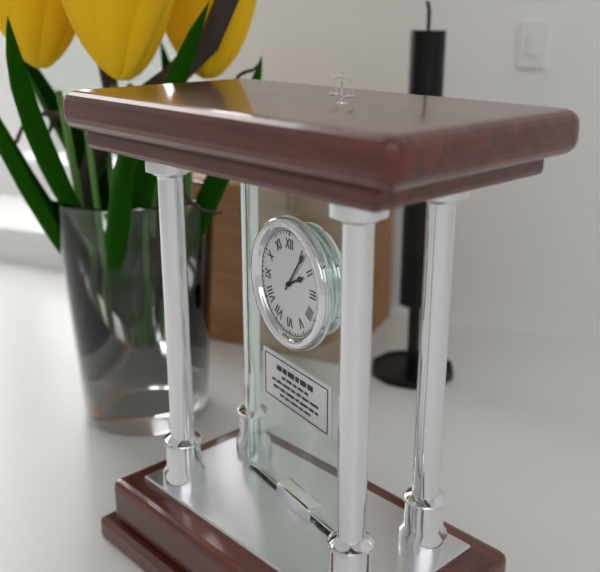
2.06
